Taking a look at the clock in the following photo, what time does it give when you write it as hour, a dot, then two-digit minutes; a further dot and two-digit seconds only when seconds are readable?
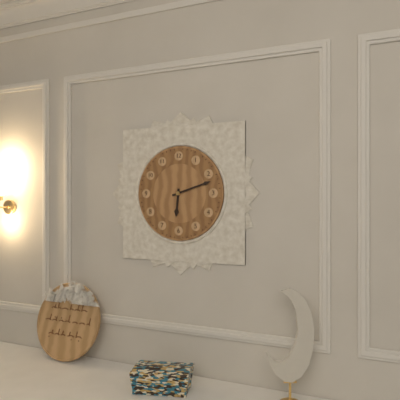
6.12
